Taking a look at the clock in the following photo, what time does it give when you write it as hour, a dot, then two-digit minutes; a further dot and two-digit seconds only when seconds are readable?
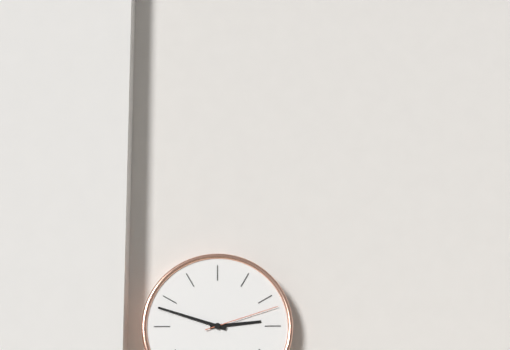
2.48.12
